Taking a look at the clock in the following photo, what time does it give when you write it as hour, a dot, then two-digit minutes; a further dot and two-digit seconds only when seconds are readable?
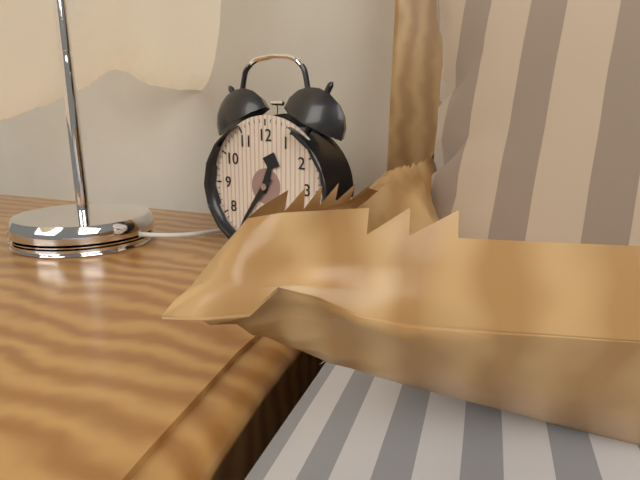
12.36
